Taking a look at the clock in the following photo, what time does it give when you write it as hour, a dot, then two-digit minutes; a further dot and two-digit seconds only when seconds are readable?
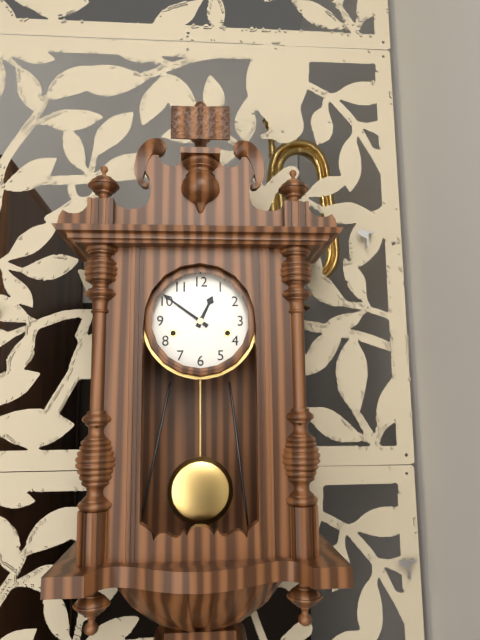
12.51
